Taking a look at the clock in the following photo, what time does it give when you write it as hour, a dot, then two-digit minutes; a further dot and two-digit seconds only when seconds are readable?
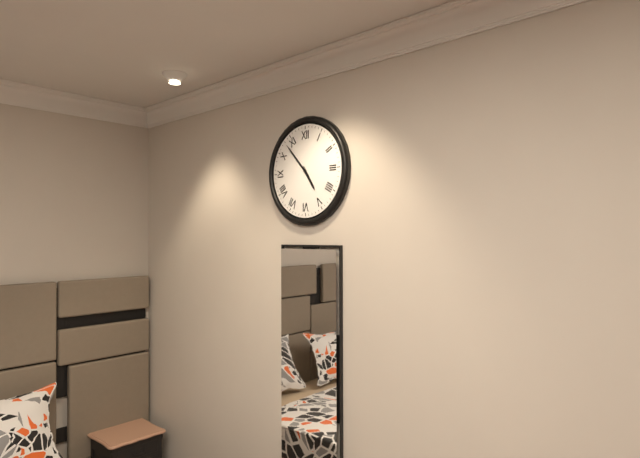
4.53
